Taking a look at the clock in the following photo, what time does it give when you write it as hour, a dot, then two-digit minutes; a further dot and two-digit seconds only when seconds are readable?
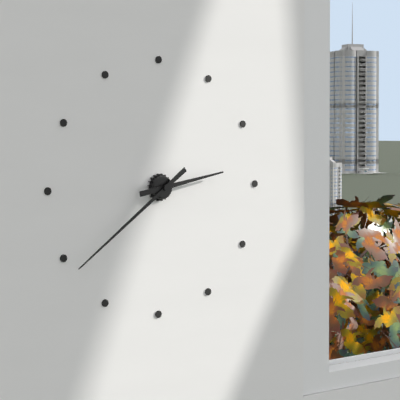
2.39
